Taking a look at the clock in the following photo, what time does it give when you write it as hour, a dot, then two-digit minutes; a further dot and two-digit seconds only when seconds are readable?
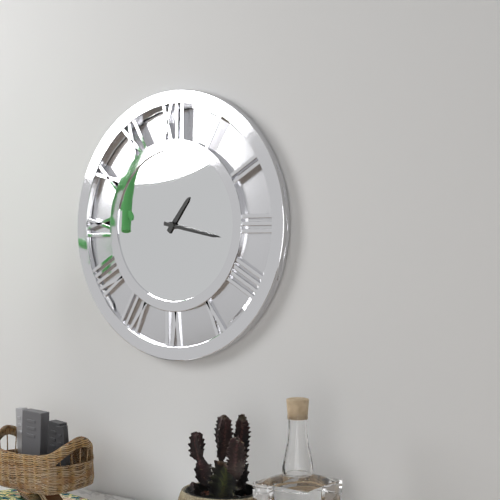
1.17
